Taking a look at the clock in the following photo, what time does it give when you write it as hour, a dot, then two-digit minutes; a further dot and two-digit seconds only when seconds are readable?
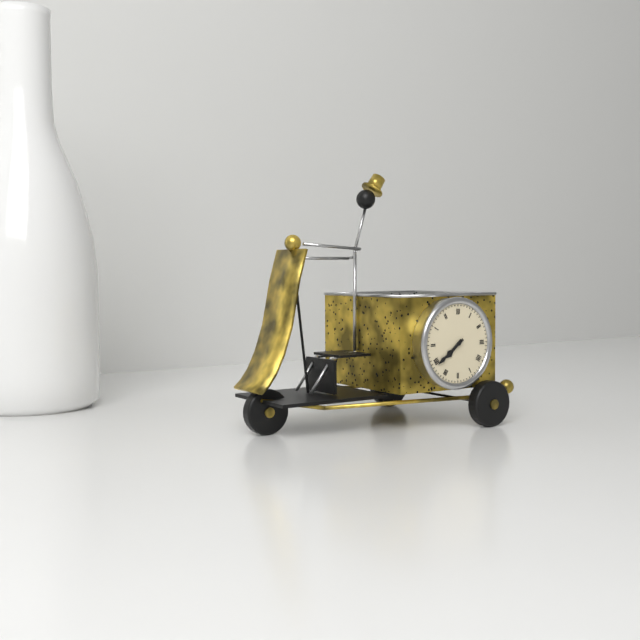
7.39
